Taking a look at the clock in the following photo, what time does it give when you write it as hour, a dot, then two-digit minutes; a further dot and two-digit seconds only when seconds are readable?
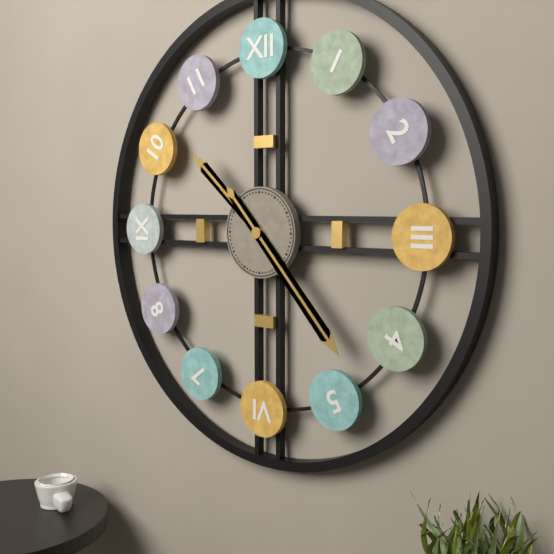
10.23
